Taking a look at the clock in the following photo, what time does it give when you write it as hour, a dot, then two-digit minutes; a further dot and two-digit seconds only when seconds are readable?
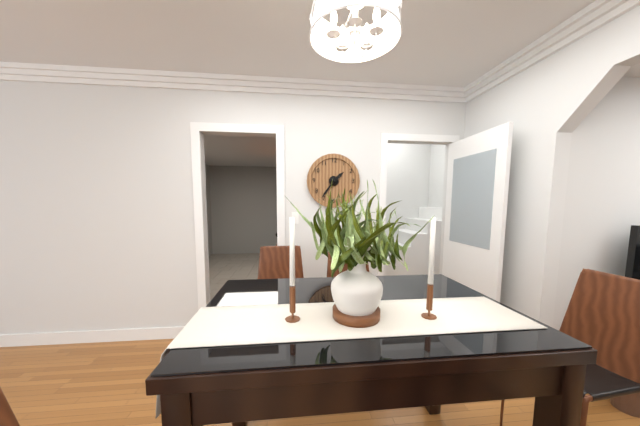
1.36
